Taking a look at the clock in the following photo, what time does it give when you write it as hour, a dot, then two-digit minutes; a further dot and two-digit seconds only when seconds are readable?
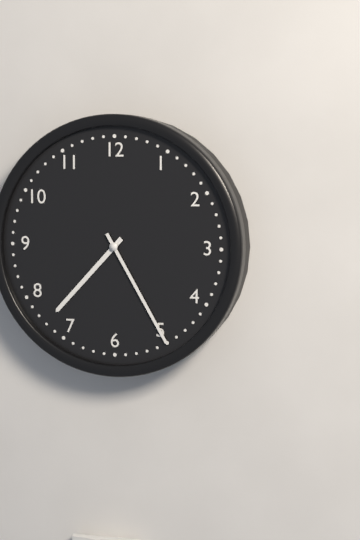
7.25
